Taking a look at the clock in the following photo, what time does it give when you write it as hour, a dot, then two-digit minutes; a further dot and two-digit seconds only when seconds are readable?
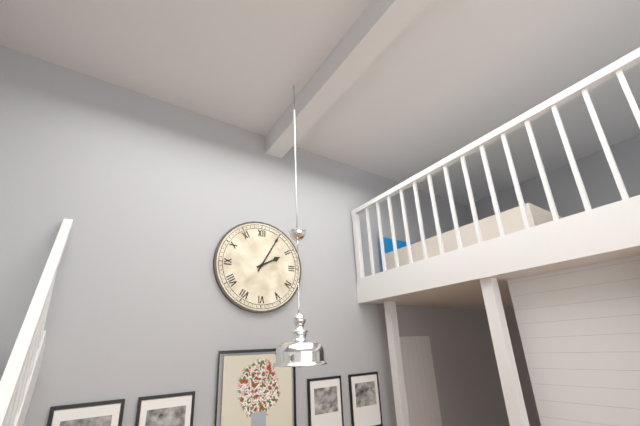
2.05
